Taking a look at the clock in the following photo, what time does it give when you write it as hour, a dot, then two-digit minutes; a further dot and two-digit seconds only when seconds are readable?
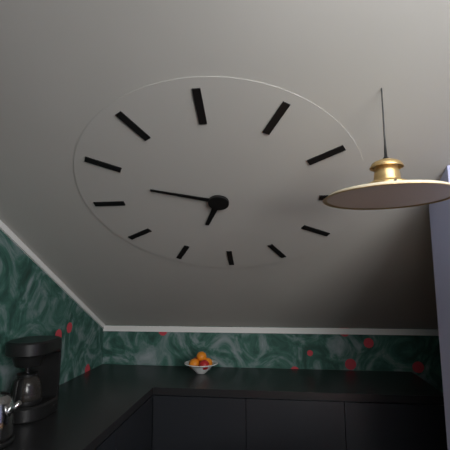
6.48
